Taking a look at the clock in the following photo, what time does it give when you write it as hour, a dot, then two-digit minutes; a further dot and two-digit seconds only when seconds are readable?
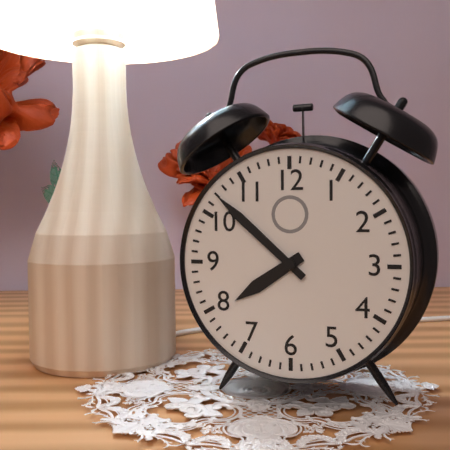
7.52
